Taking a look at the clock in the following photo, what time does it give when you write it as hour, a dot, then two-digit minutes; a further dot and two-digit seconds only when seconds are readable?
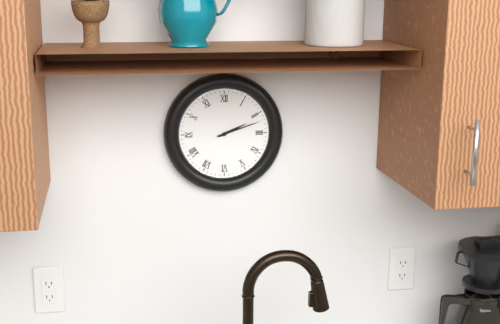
2.12
